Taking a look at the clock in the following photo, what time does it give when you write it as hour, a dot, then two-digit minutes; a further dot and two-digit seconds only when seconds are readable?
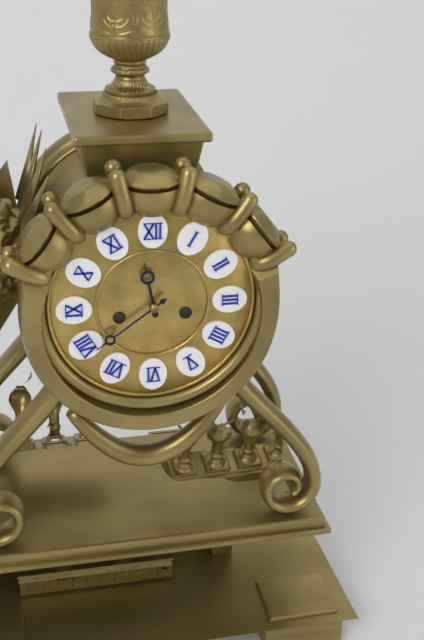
11.39
